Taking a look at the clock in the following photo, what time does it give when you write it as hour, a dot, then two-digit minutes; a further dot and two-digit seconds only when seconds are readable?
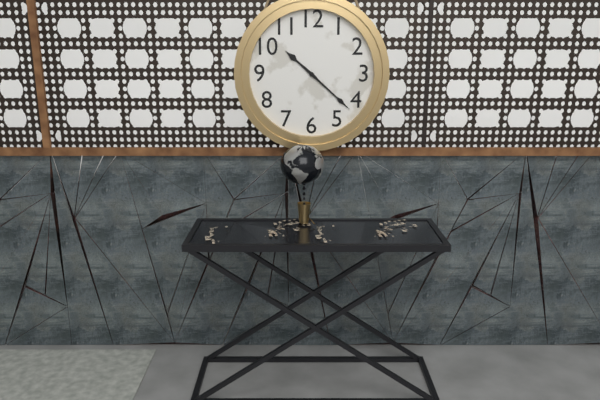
10.22
